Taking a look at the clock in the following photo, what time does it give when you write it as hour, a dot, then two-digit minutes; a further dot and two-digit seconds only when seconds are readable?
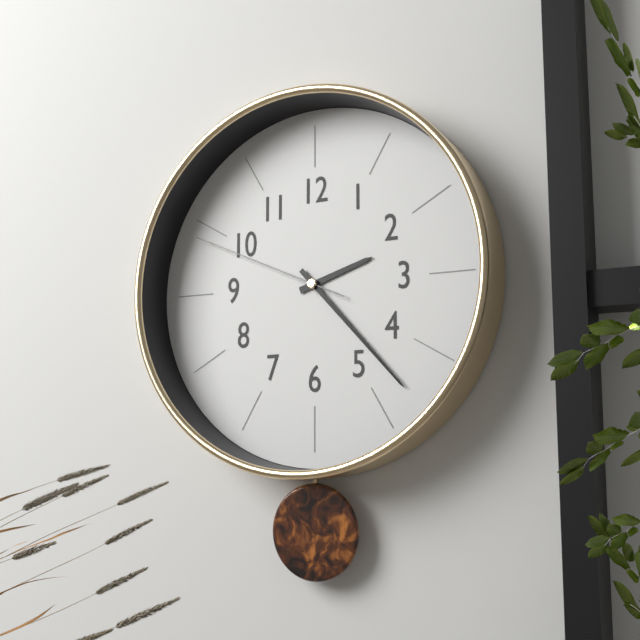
2.23.49
